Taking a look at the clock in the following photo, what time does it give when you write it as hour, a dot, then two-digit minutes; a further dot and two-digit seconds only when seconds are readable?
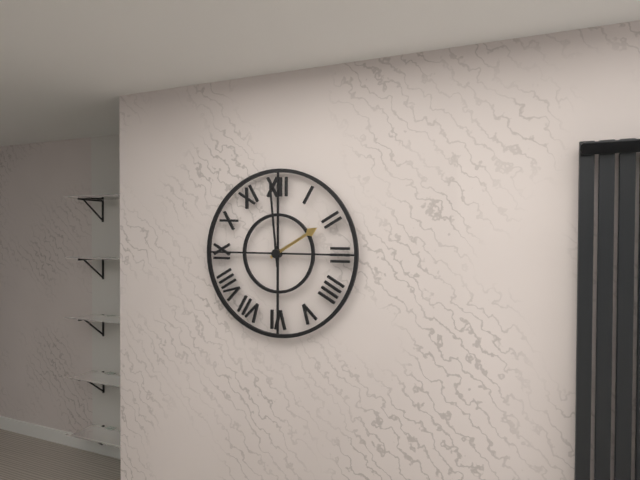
1.59
